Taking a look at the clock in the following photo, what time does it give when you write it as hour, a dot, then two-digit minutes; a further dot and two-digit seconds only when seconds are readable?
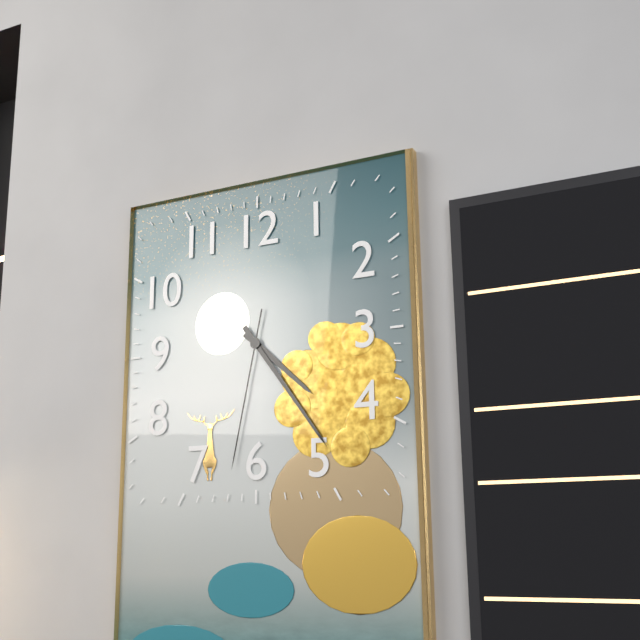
4.24.32
